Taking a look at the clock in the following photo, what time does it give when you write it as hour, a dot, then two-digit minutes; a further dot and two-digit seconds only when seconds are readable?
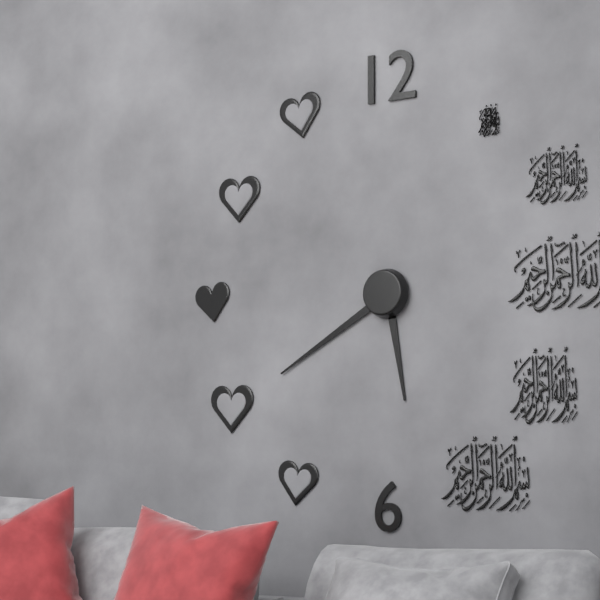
5.40
